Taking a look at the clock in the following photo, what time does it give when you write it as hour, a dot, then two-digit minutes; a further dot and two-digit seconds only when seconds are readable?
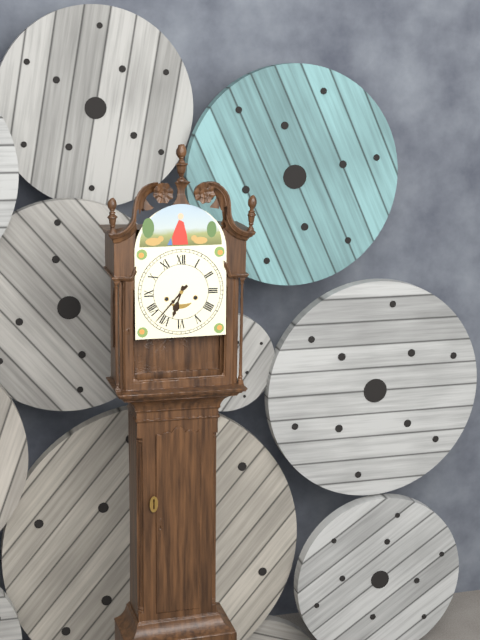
6.37
